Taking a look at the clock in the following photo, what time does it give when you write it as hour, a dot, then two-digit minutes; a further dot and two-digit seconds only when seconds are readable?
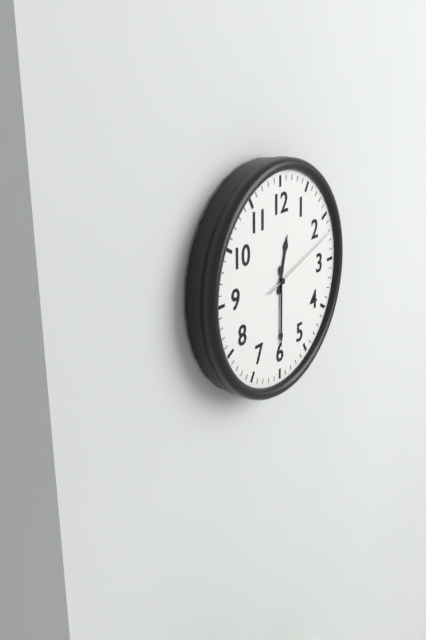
12.30.12
